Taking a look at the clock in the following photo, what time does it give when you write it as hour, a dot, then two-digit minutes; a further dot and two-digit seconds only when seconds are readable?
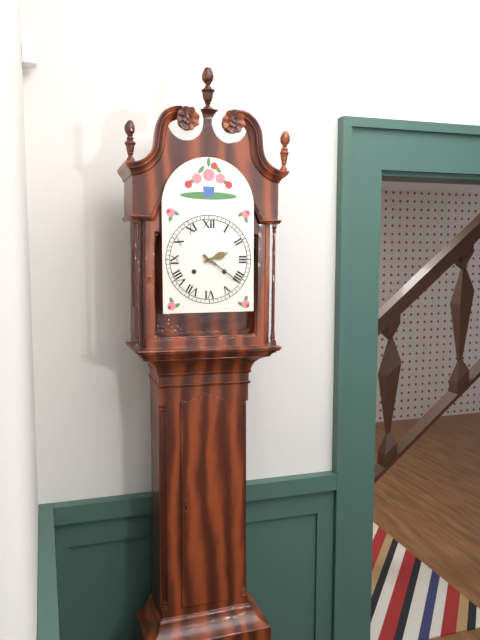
2.21
